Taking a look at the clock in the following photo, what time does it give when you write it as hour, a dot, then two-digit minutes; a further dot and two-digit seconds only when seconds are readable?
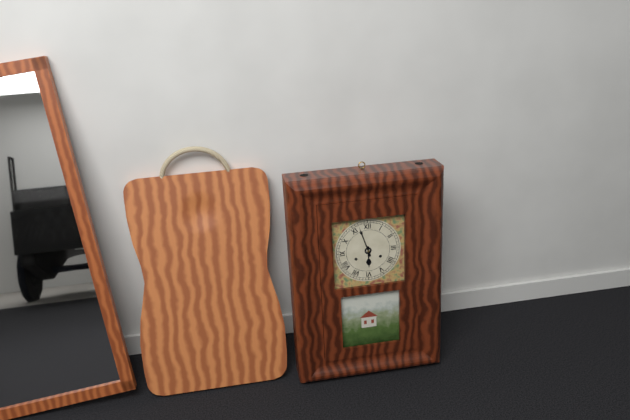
5.57
